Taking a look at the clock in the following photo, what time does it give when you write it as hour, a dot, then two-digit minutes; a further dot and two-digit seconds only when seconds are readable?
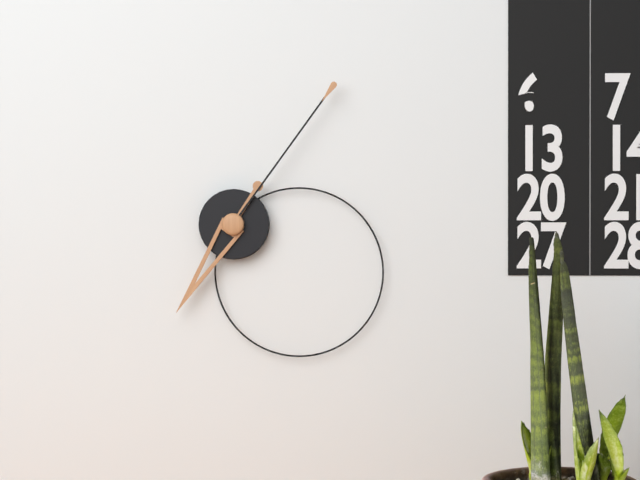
7.06
